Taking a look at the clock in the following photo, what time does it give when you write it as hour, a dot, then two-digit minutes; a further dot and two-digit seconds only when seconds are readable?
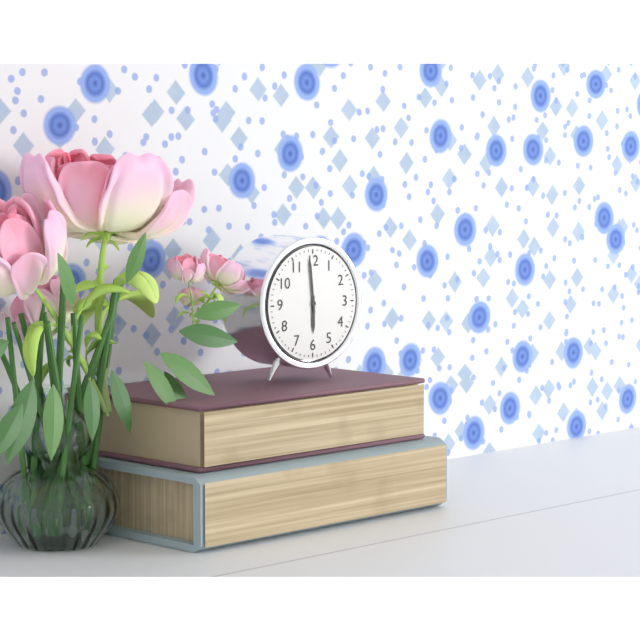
5.59
